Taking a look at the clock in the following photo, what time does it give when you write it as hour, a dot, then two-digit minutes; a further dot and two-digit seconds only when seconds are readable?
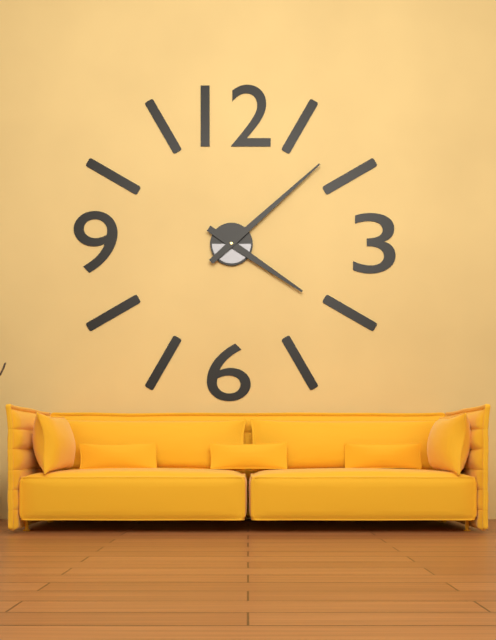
4.08
